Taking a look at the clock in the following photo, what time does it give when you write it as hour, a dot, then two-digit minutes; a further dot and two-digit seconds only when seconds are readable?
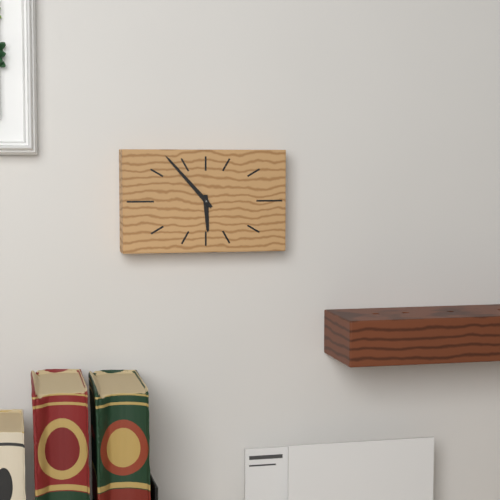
5.53
